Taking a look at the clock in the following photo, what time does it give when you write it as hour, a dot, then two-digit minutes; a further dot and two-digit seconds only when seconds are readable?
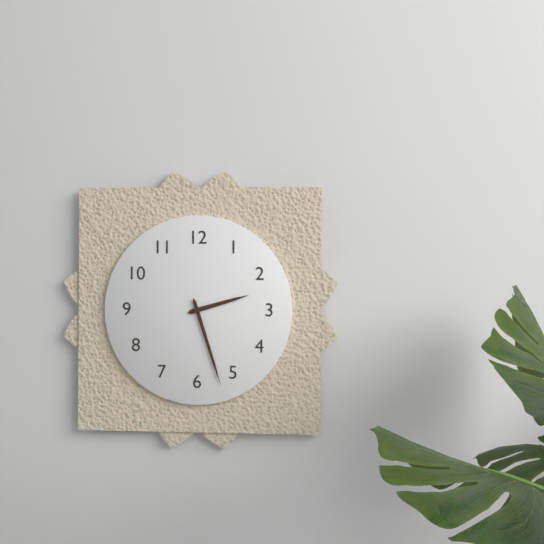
2.27
